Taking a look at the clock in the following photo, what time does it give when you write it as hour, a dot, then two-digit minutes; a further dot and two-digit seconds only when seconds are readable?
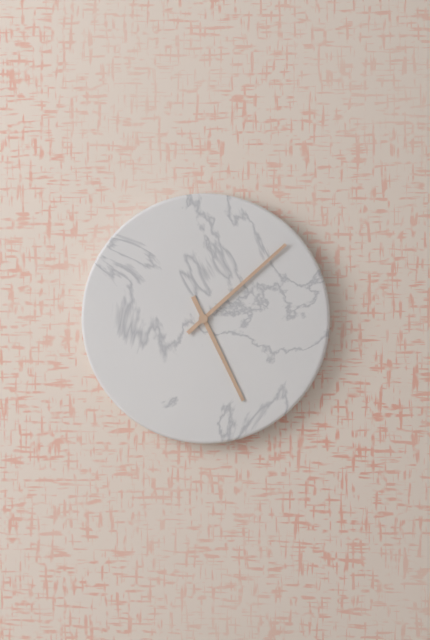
5.08
